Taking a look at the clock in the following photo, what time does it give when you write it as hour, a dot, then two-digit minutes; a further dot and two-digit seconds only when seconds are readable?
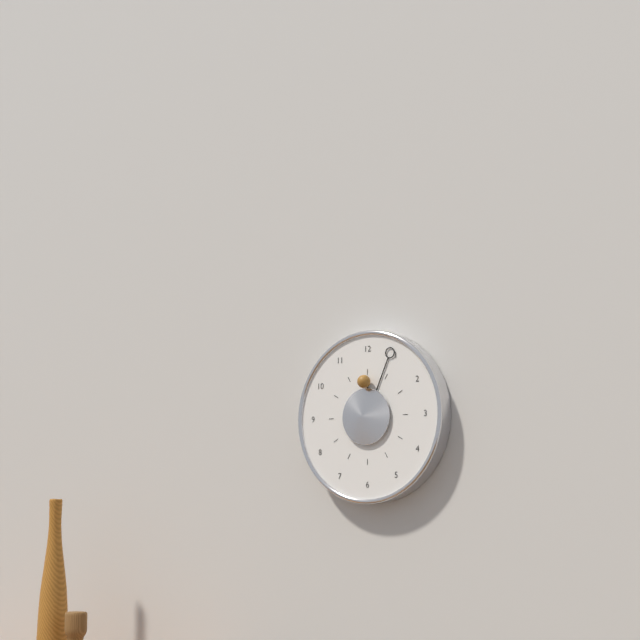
12.04
